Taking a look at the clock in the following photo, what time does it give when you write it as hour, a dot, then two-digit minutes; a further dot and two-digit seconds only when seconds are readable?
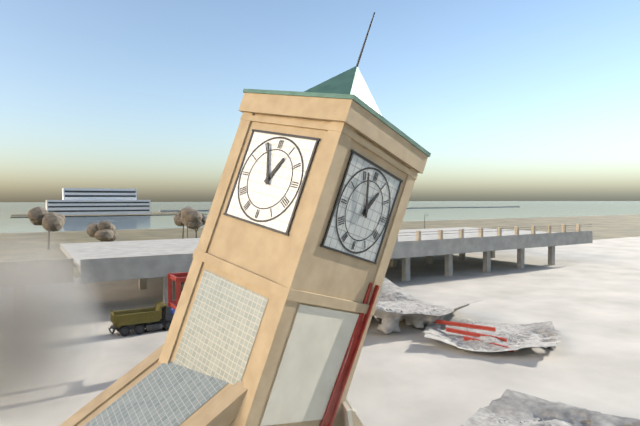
12.56
